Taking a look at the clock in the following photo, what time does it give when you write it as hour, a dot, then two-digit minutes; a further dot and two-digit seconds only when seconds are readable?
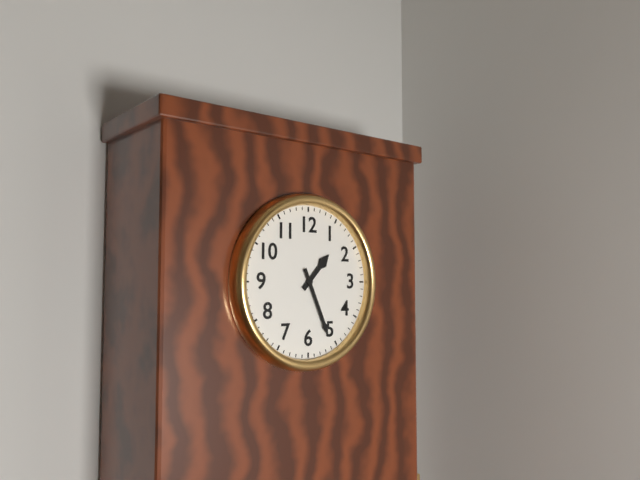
1.26
